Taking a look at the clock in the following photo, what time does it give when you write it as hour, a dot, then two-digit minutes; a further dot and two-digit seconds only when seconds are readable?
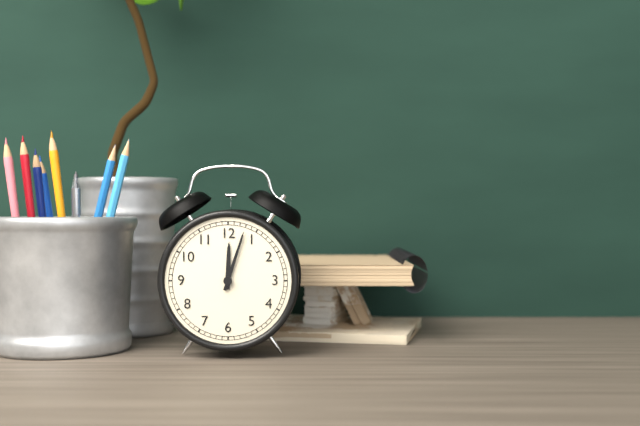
12.03
